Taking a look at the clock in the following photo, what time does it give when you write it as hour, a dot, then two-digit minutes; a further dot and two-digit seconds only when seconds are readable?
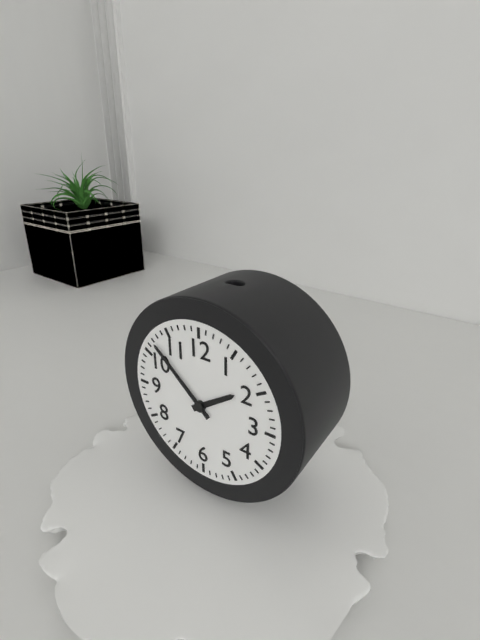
1.52
